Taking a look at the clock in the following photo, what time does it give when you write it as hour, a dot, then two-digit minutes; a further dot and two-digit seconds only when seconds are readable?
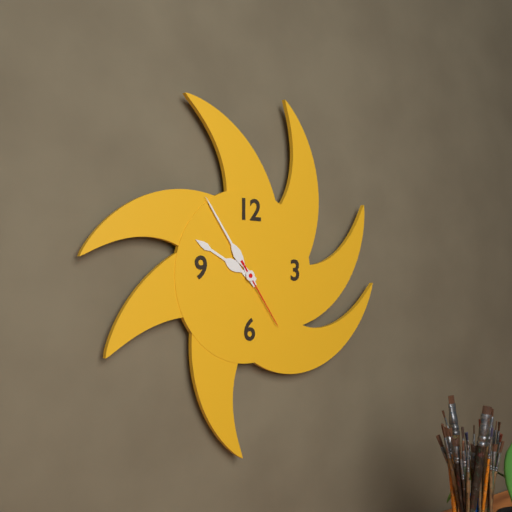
9.54.24
